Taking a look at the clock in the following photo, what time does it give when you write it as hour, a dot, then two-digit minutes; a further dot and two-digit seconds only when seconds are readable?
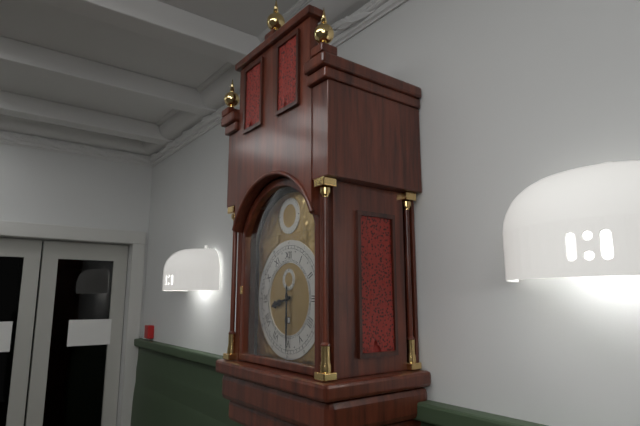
8.30
